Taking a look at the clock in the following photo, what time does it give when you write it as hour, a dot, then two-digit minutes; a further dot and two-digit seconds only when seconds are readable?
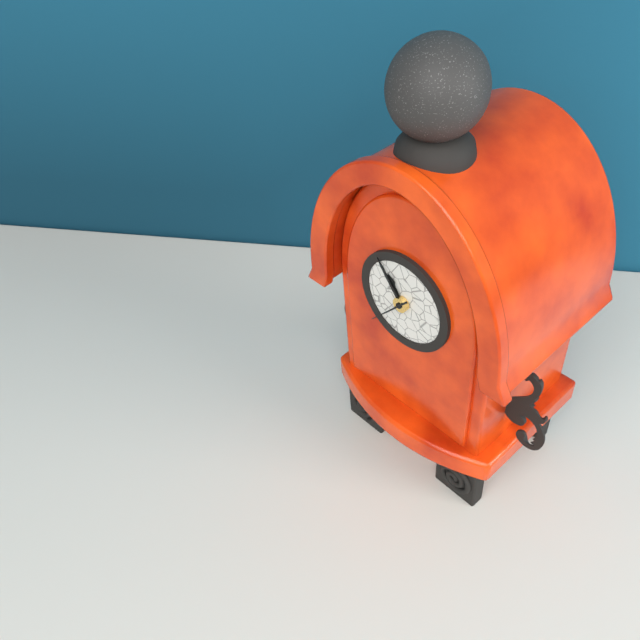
10.54
